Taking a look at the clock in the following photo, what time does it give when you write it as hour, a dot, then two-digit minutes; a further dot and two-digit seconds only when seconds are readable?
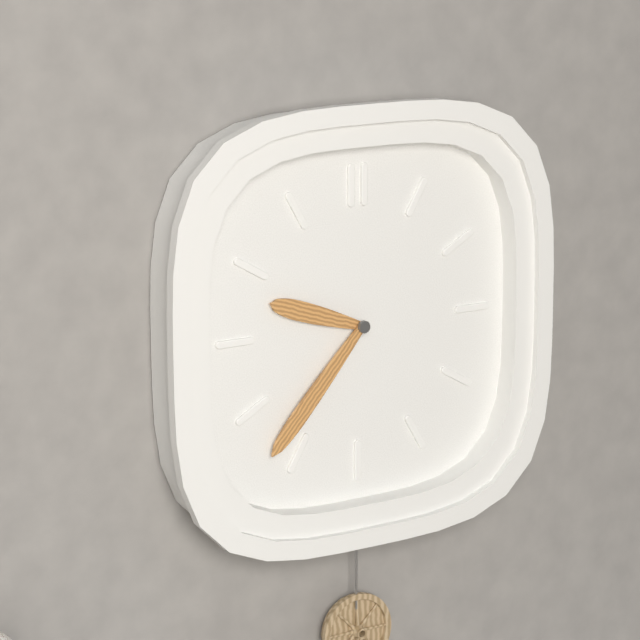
9.37
